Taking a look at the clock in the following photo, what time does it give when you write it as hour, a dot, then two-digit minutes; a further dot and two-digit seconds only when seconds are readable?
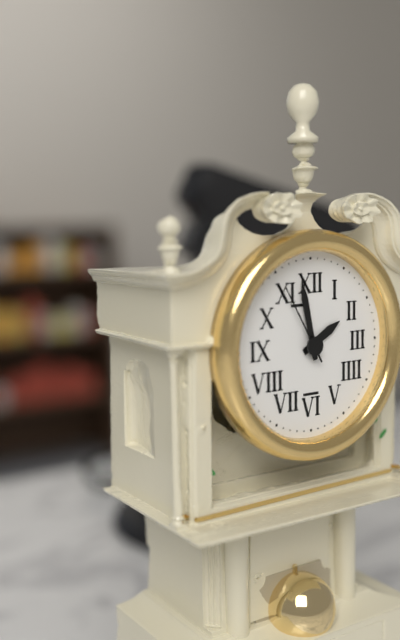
1.58.55
